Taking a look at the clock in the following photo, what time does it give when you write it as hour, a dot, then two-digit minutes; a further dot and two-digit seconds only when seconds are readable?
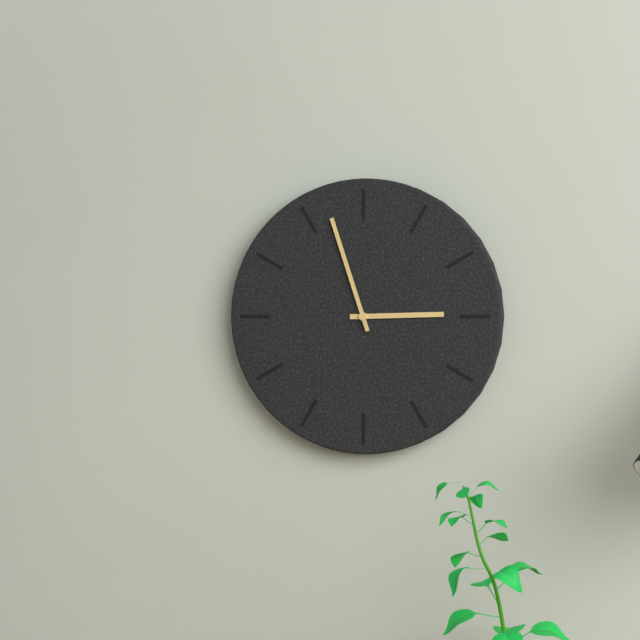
2.57
